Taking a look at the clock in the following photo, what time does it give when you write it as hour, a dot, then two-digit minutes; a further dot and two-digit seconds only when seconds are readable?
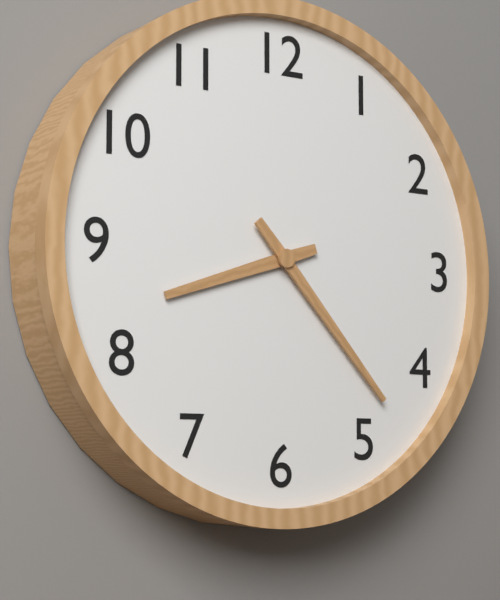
8.23
